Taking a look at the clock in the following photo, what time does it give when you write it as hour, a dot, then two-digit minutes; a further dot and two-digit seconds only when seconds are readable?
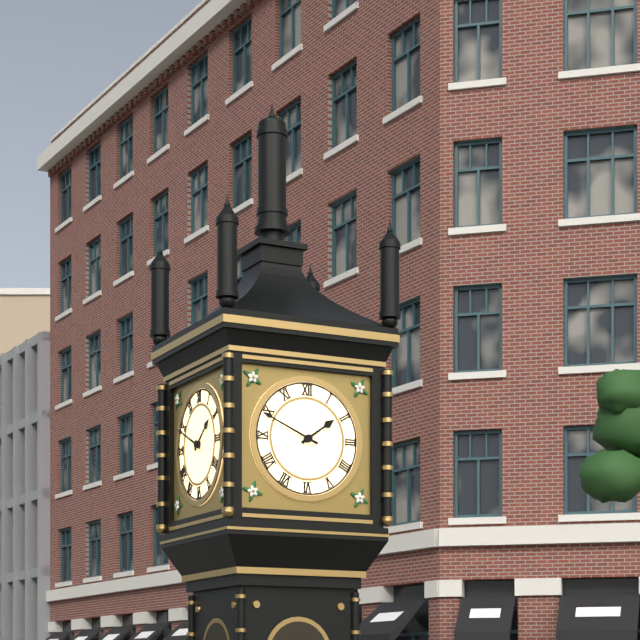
1.49
